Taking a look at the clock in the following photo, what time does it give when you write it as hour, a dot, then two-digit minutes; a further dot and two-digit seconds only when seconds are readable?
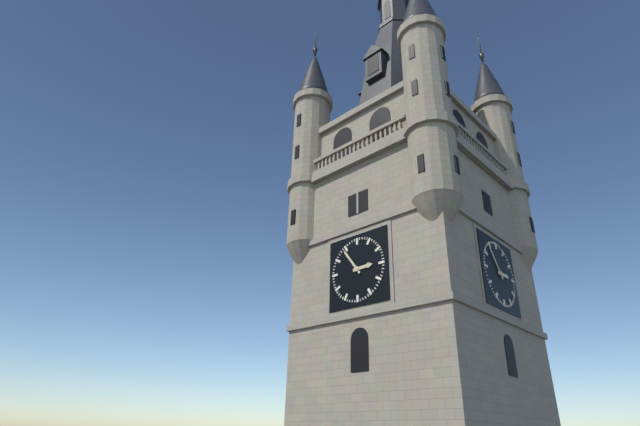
2.54
